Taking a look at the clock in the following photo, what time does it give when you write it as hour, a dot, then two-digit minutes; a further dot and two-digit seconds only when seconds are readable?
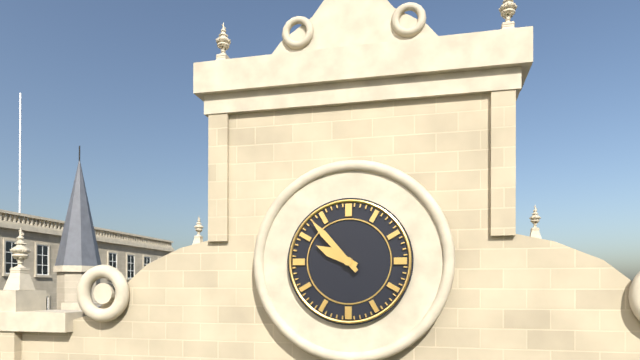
9.53
